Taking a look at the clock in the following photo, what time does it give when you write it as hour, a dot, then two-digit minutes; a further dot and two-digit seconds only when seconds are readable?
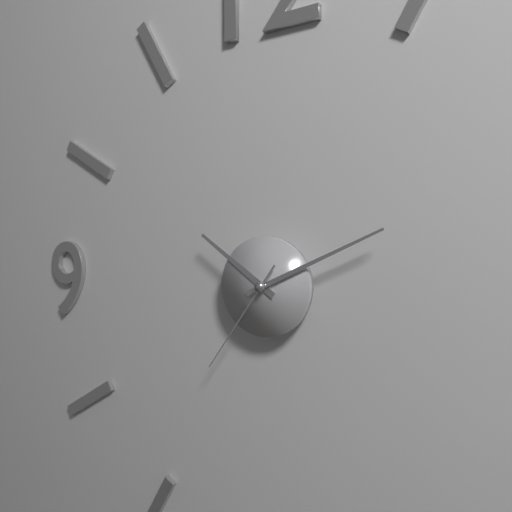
10.11.36
